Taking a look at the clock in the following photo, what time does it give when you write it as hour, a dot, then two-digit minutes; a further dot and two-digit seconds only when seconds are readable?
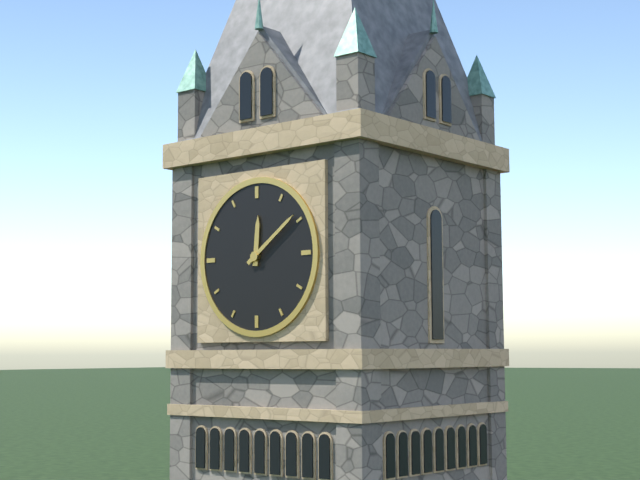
12.09
